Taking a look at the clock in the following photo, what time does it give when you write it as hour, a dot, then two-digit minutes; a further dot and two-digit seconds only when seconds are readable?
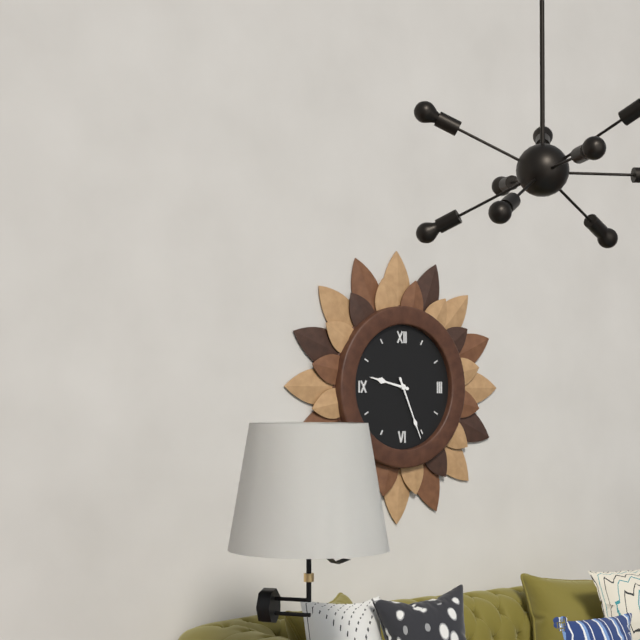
9.26
